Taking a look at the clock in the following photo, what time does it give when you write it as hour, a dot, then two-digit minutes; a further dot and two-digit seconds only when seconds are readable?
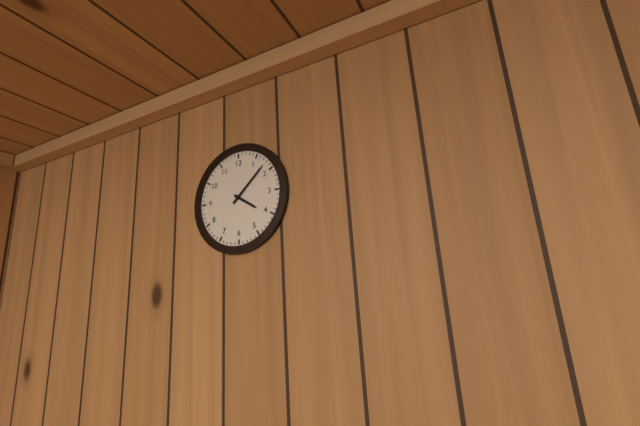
4.08
